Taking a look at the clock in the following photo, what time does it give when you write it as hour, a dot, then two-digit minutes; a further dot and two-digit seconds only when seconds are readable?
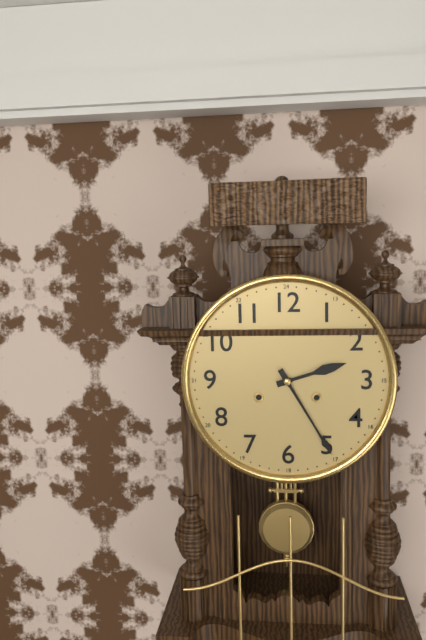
2.25
